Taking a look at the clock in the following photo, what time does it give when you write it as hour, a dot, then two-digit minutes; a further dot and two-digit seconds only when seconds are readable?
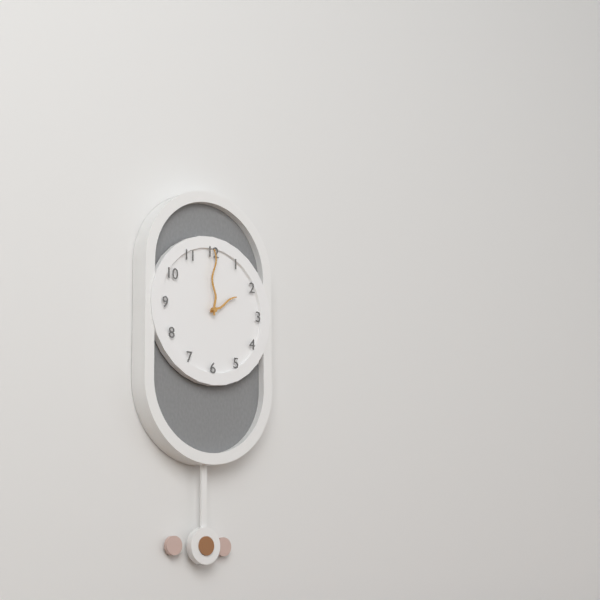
2.00
